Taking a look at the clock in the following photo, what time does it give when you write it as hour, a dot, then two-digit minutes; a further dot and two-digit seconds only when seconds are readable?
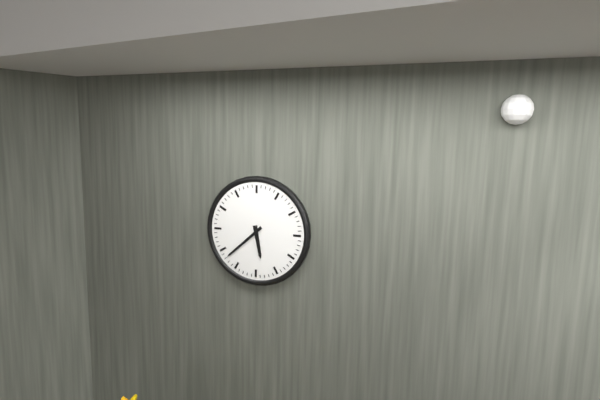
5.38
